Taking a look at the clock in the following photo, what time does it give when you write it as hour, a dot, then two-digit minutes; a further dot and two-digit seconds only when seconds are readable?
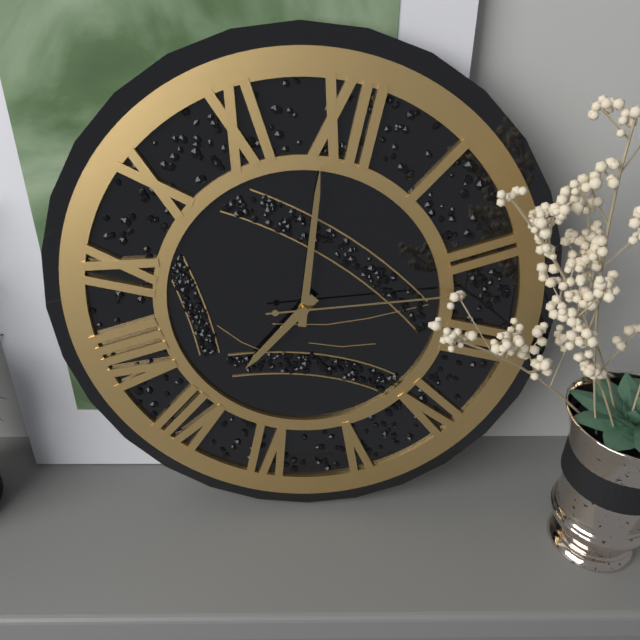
6.59.12
